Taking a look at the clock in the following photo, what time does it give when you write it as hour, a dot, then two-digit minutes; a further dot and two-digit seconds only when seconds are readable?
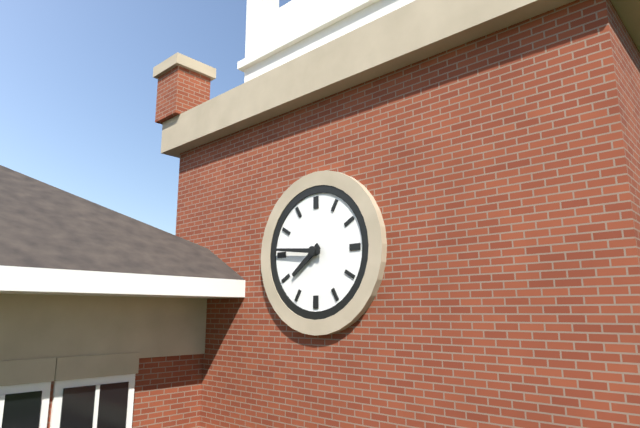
7.46
